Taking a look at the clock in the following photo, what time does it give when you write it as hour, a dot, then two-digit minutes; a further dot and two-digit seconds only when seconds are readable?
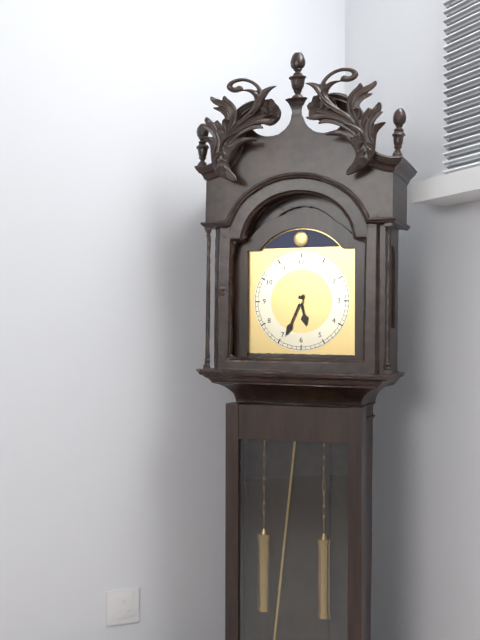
5.34
